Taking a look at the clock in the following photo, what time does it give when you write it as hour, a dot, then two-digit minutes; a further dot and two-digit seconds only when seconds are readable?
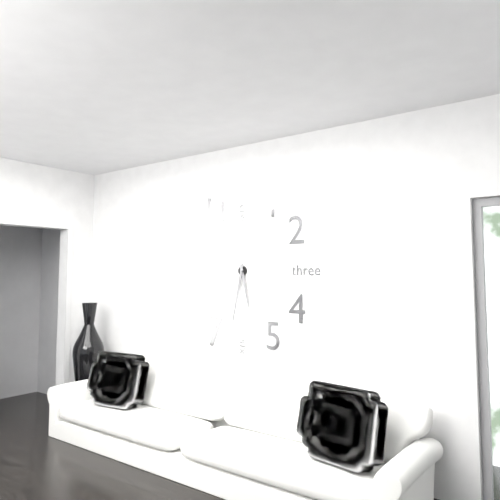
5.32
